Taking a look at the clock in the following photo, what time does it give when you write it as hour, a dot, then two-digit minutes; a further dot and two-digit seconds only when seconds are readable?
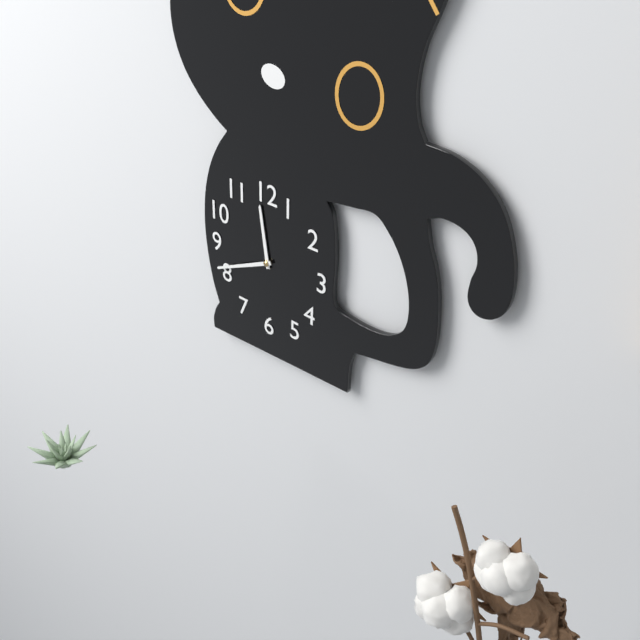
11.41
